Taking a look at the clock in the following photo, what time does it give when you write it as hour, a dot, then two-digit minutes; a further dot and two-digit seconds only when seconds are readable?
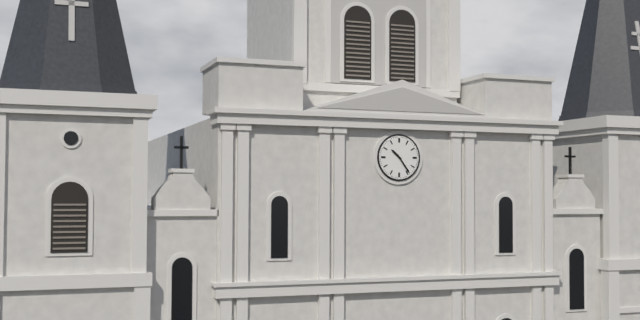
10.24
